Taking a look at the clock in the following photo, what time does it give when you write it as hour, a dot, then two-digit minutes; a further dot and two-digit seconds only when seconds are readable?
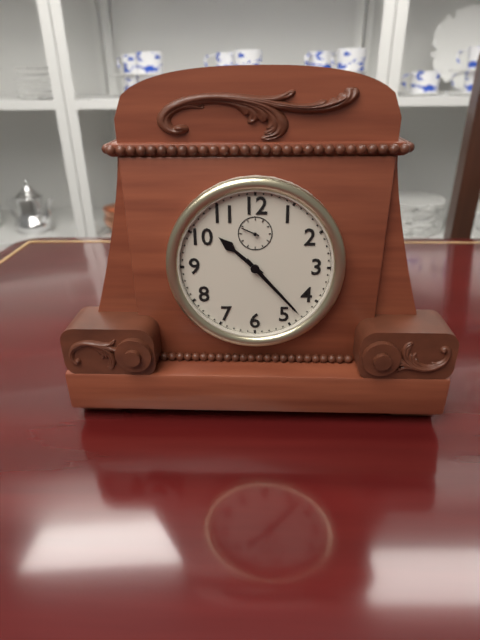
10.23
